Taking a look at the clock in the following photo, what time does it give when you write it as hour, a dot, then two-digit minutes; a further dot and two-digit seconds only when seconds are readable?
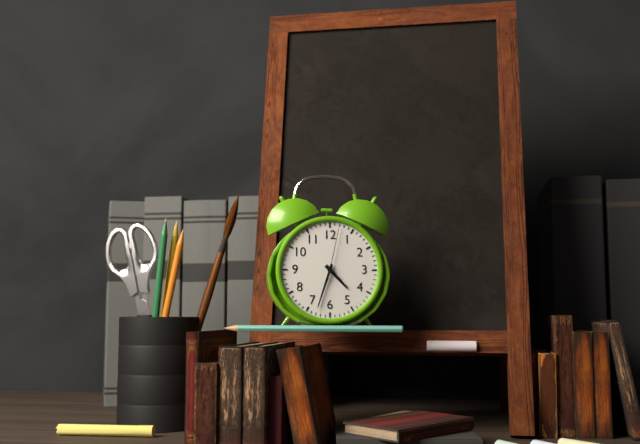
4.33.02
